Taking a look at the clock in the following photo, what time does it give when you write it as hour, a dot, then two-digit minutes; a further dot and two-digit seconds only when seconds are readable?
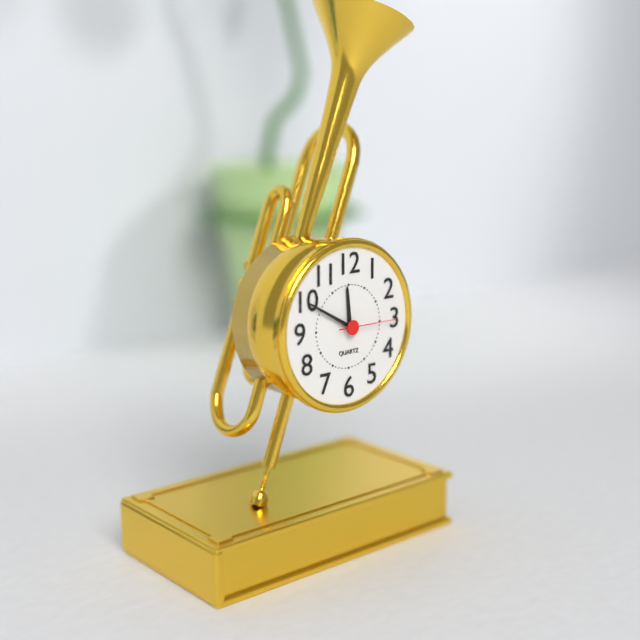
11.50.15
